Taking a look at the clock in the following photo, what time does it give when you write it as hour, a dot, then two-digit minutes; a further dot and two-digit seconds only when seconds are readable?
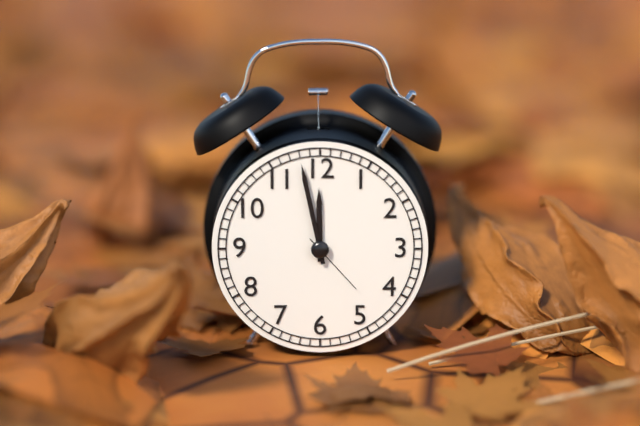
11.58.23
